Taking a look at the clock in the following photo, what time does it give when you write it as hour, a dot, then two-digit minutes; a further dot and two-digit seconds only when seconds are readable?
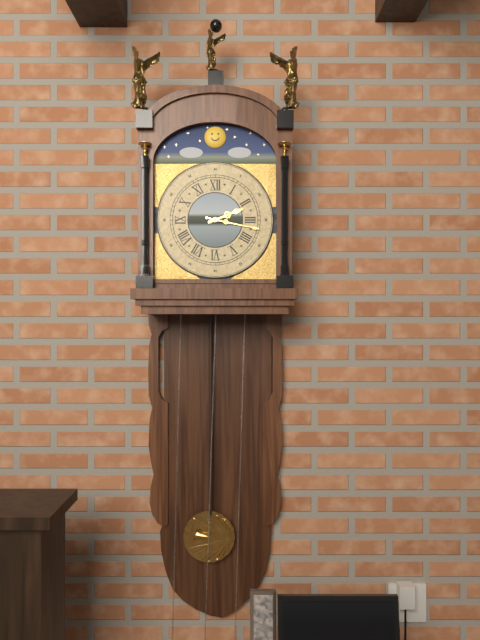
2.17
